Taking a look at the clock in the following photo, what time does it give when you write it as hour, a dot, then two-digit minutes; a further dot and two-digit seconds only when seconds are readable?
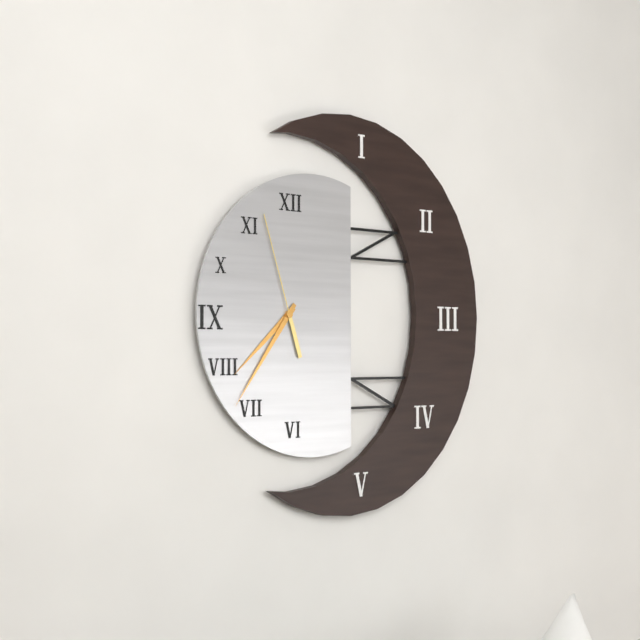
7.36.57
